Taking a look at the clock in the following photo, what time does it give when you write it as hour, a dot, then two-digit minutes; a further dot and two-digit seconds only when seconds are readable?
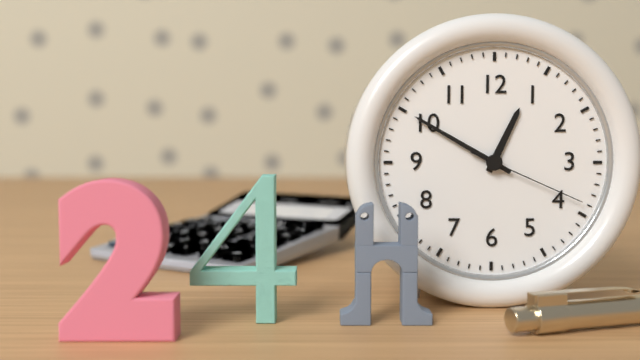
12.50.19
